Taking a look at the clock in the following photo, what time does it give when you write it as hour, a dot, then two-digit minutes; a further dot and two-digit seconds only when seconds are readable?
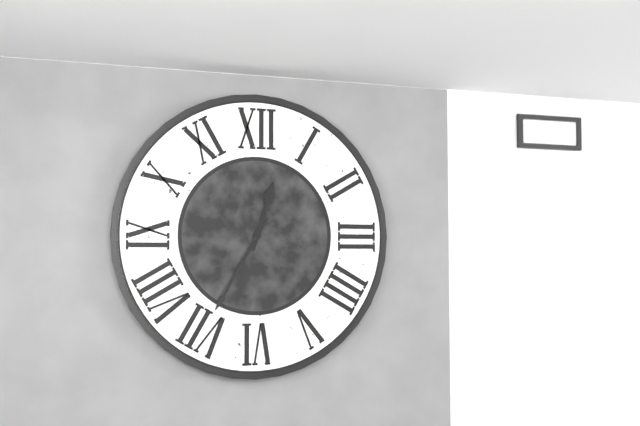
12.35
